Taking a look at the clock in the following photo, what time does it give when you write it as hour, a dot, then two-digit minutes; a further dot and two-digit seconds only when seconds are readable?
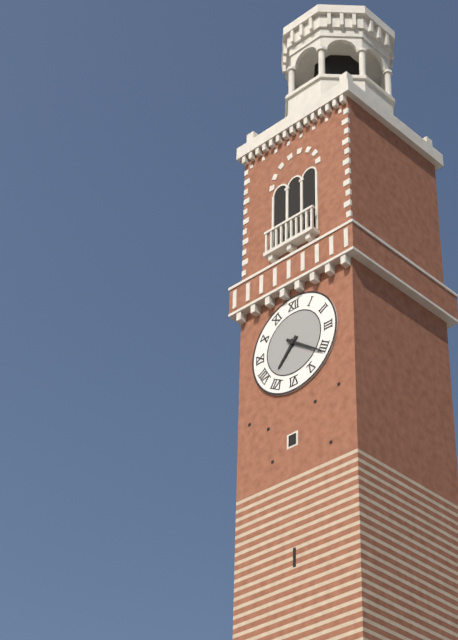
7.21
